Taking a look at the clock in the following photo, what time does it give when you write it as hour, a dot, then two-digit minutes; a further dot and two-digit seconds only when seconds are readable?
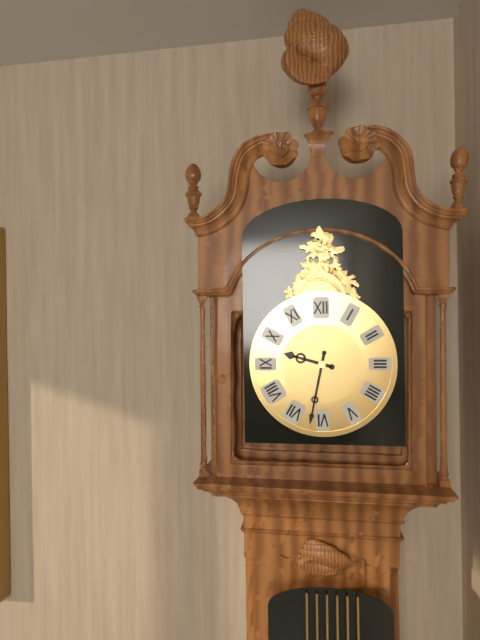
9.32
